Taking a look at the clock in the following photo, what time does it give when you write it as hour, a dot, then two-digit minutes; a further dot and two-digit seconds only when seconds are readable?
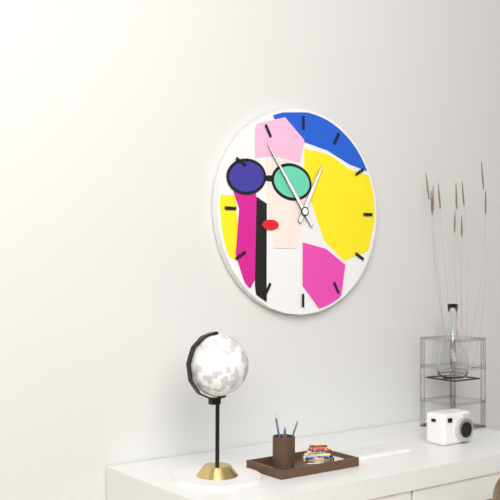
12.54
